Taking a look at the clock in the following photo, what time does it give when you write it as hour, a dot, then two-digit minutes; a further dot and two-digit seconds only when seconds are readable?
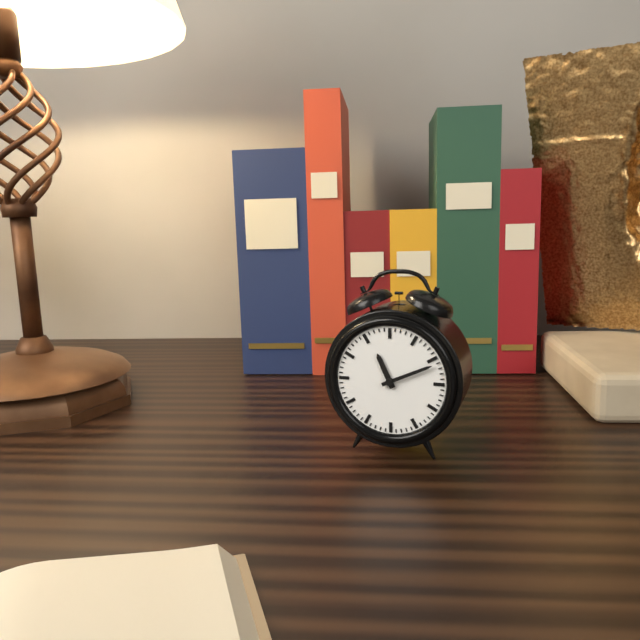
11.11
